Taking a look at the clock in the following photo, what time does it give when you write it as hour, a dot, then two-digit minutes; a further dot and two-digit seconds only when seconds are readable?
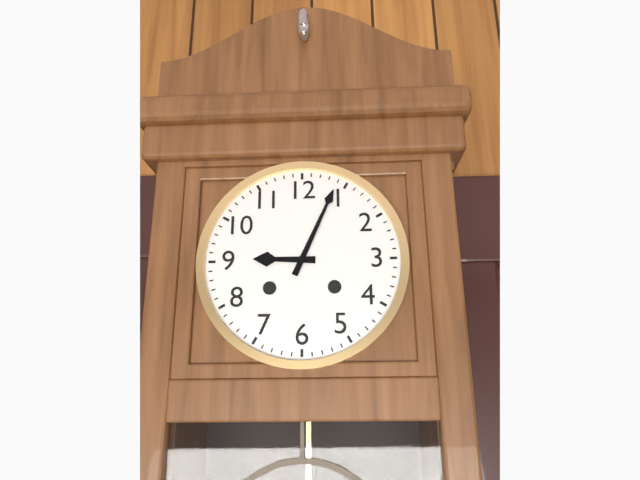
9.04
